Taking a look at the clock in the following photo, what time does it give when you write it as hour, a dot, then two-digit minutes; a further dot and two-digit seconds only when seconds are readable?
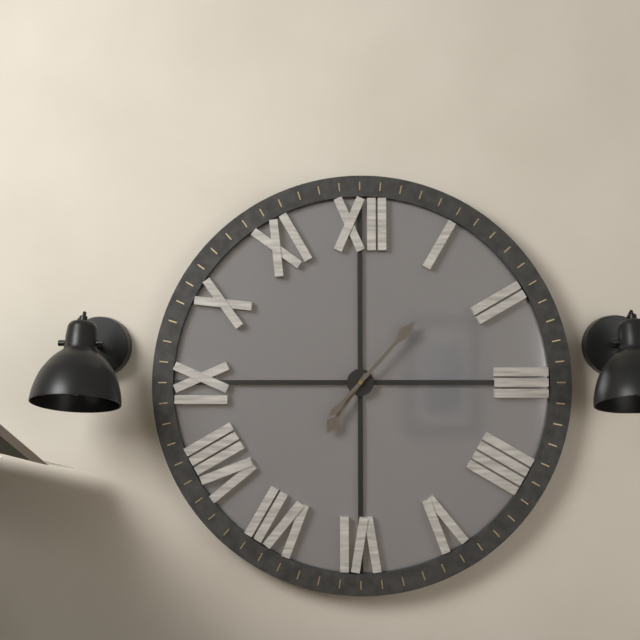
7.07
